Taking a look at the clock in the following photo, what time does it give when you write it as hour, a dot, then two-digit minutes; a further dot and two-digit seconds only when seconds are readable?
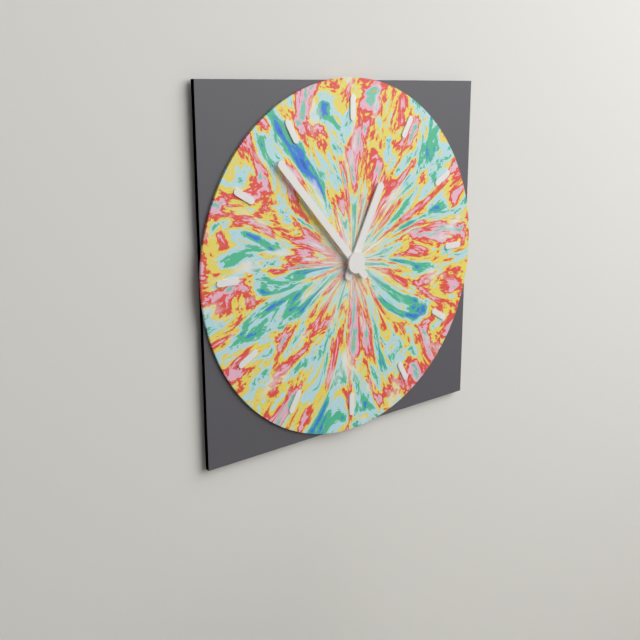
12.53
